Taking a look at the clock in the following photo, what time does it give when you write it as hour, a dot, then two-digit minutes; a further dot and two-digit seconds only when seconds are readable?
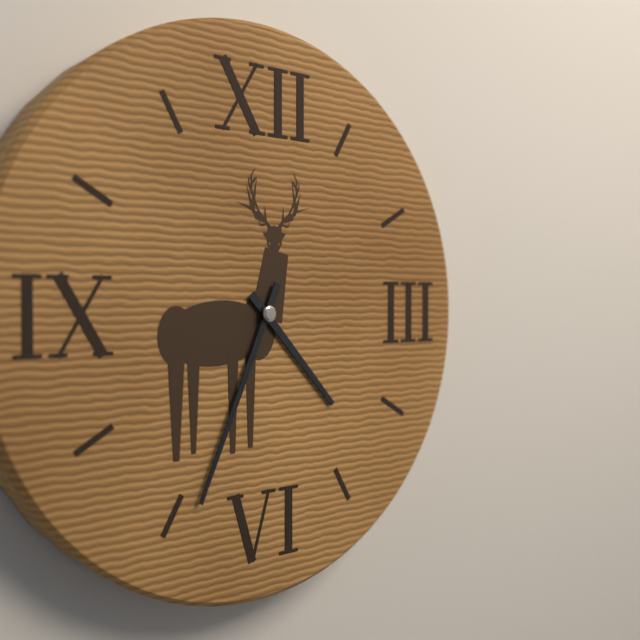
4.34
